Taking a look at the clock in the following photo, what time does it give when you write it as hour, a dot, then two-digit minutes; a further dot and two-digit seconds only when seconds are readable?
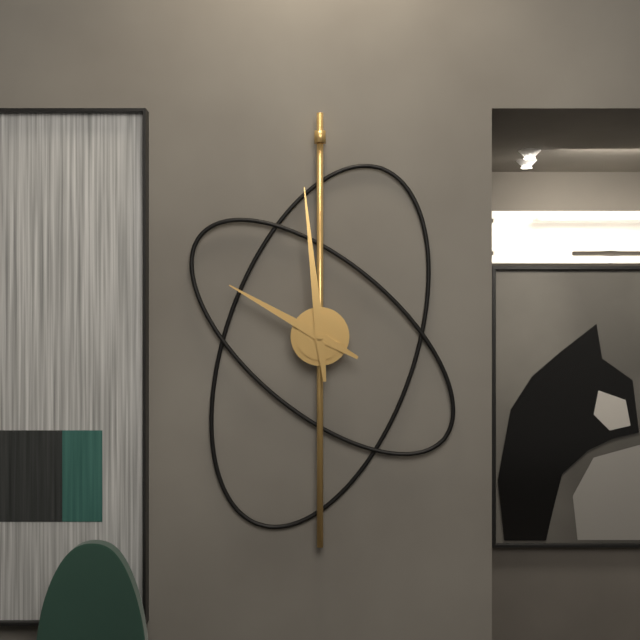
9.59
